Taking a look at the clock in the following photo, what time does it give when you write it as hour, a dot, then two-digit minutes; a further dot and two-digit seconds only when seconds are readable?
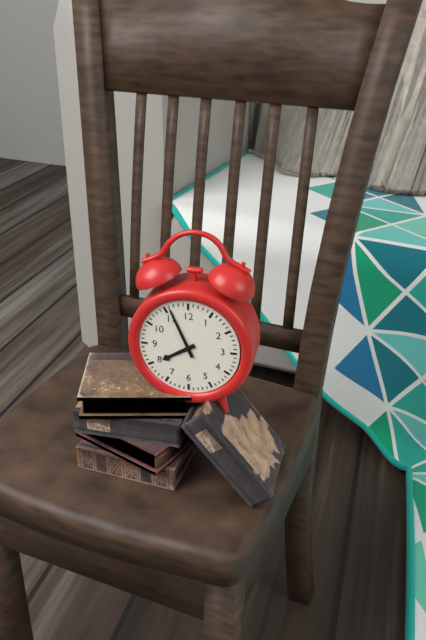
7.56
